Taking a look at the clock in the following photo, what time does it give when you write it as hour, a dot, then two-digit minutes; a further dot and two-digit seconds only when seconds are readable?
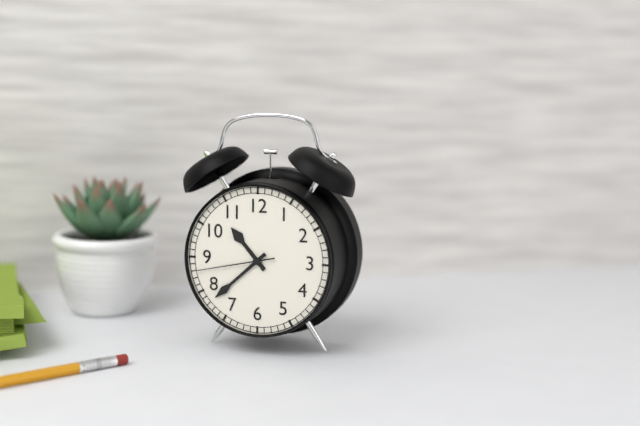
10.38.43
